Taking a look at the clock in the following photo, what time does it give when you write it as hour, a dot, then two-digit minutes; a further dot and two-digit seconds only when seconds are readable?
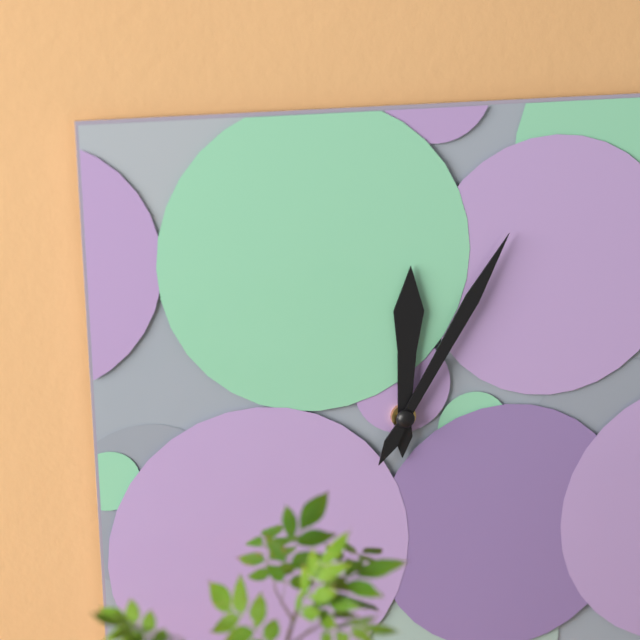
12.05
